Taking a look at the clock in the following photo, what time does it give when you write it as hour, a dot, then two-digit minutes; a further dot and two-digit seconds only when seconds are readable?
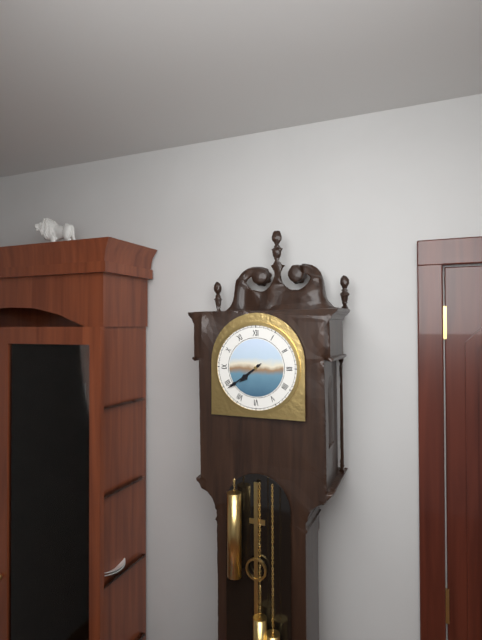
7.39
